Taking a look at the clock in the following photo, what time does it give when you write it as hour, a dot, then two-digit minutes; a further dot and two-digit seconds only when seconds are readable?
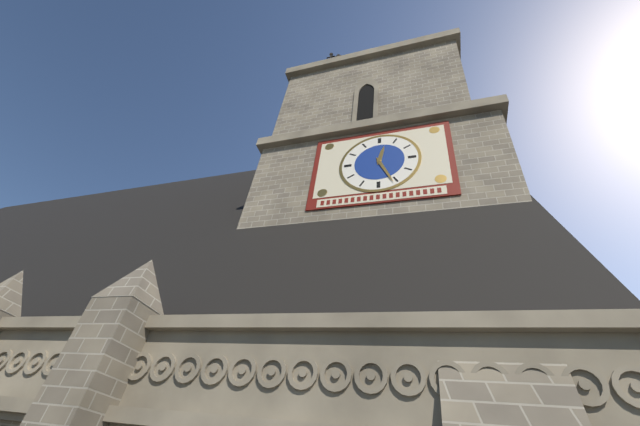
12.26
